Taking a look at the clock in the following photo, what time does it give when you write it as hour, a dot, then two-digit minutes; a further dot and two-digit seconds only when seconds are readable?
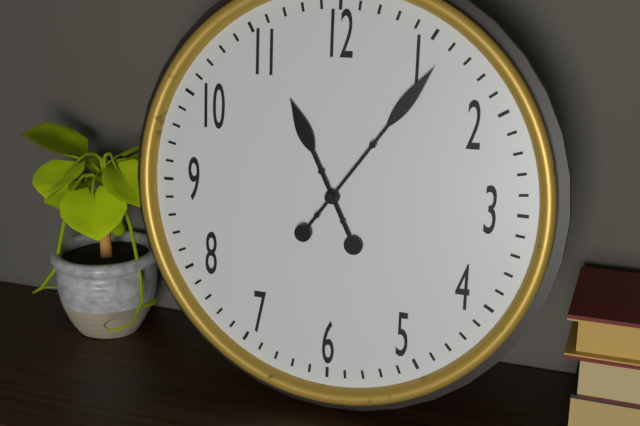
11.06
